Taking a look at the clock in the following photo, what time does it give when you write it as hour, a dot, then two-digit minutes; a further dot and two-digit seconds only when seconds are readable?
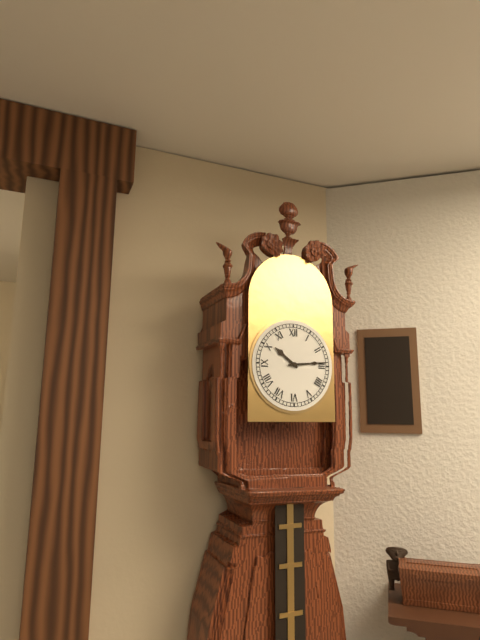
10.14
